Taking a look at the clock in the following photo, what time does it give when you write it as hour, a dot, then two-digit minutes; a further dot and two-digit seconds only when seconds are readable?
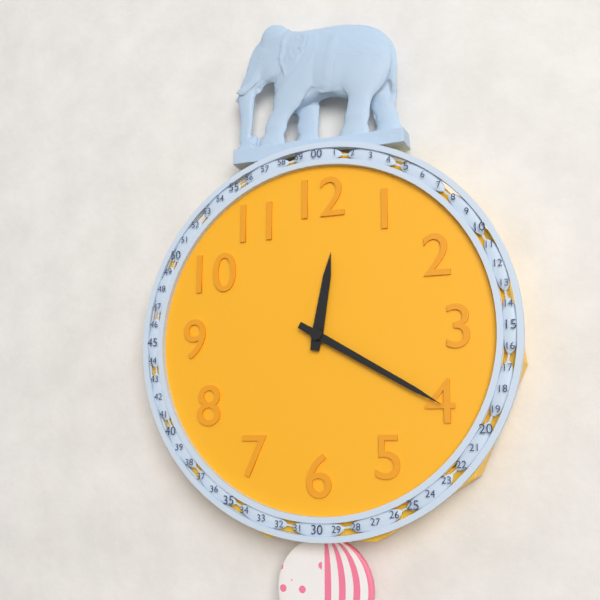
12.20
